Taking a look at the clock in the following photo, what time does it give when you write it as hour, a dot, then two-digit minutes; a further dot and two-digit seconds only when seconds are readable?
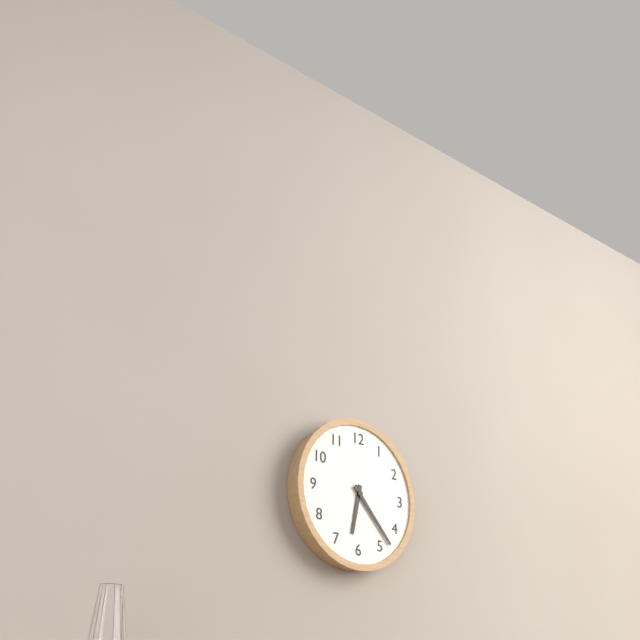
6.23
